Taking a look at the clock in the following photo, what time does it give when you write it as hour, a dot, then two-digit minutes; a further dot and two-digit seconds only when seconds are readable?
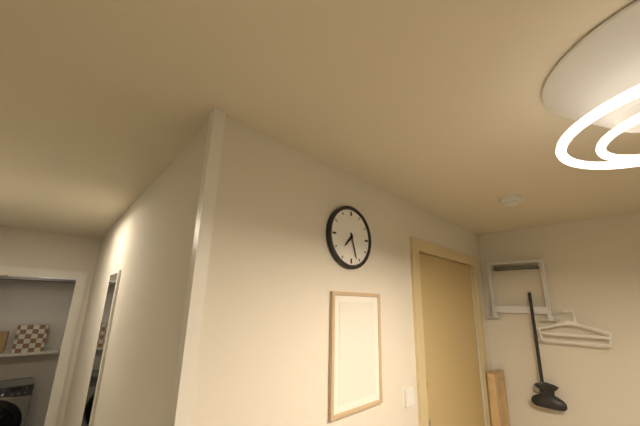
7.27
